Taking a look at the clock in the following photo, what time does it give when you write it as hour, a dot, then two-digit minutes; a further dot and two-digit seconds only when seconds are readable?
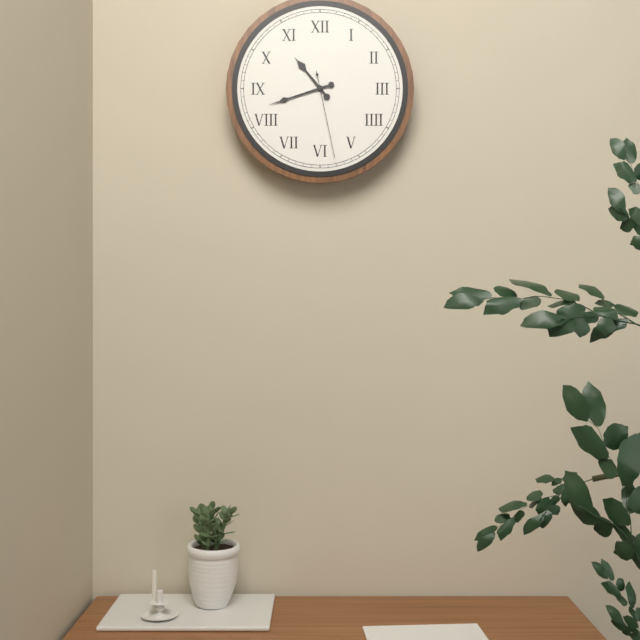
10.42.28
